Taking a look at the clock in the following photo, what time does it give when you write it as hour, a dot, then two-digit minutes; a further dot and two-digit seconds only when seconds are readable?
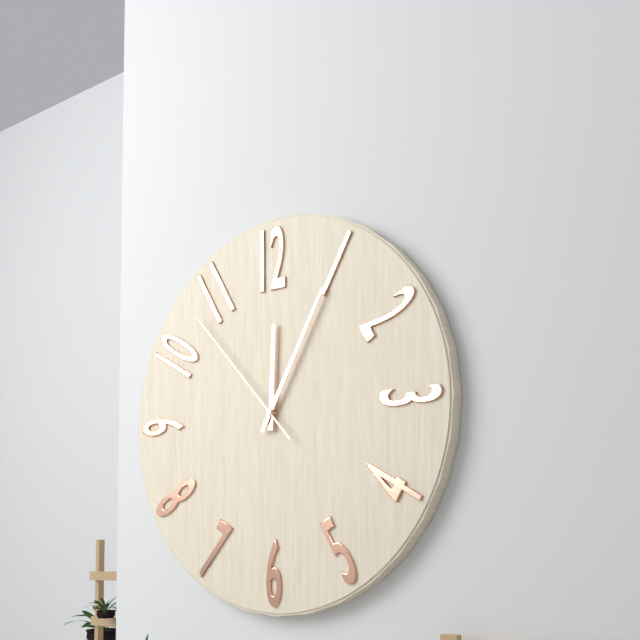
12.05.53
